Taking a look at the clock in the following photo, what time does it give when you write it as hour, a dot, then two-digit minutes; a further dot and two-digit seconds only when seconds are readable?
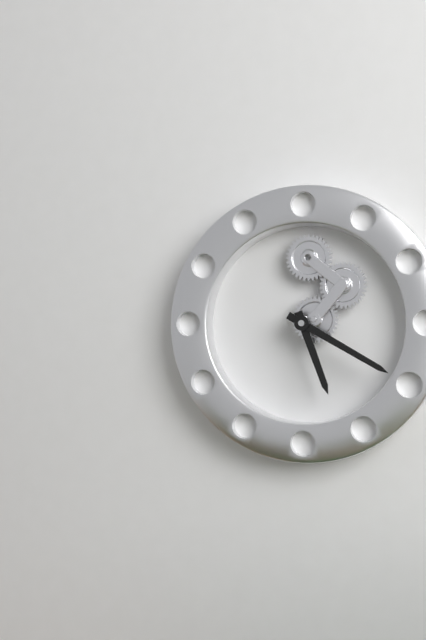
5.20
